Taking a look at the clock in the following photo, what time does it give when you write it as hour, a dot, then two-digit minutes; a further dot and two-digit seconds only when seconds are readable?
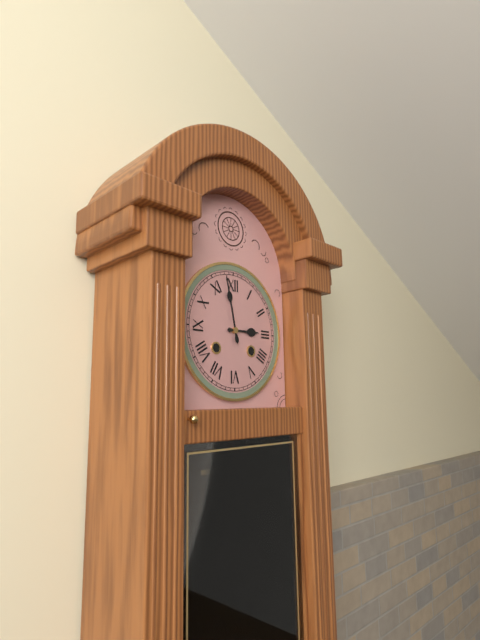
2.58
